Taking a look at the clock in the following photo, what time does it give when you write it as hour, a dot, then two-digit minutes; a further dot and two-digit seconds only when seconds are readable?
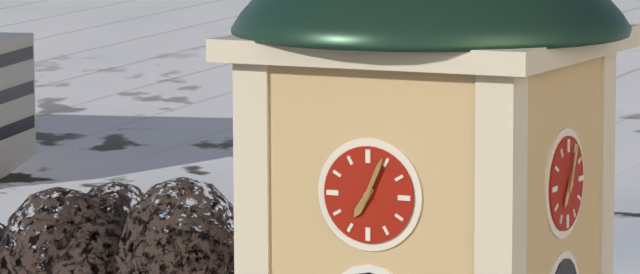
7.04
